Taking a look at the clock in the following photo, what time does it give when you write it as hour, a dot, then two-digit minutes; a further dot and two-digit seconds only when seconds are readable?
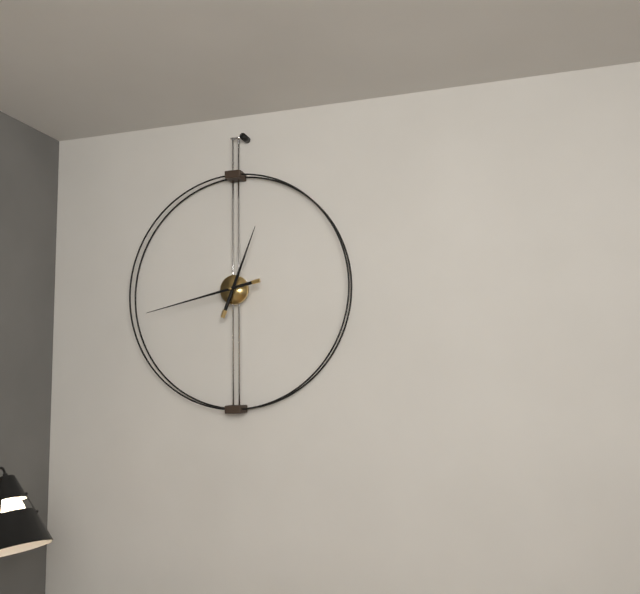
12.43
